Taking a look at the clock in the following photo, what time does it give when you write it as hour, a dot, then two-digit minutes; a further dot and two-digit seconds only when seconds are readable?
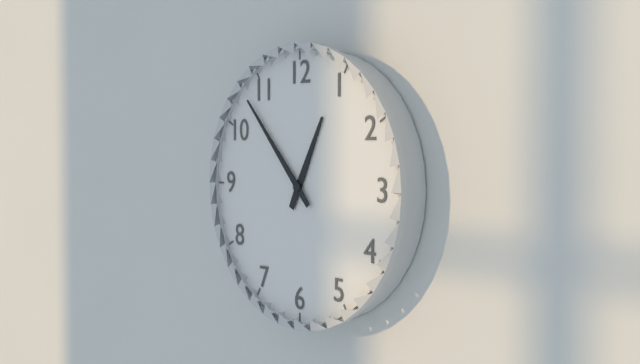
12.53
